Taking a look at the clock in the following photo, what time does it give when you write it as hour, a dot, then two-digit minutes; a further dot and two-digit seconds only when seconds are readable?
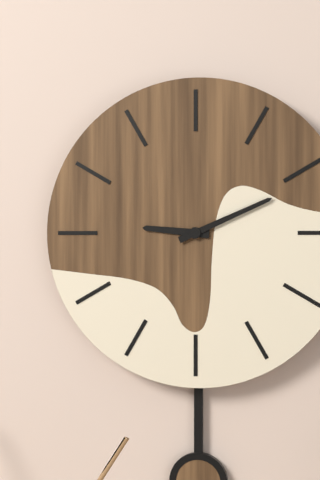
9.11
